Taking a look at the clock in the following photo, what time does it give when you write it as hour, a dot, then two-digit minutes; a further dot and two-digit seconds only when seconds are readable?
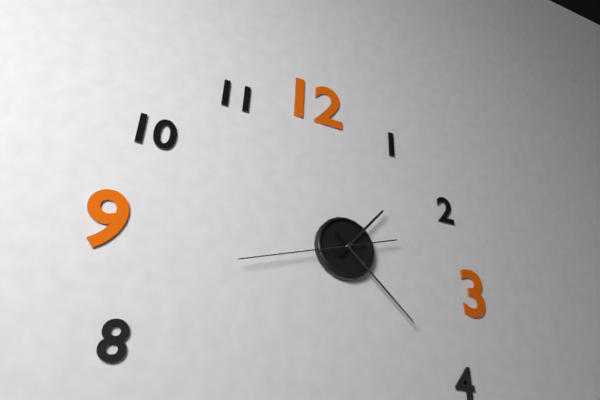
1.22.42
